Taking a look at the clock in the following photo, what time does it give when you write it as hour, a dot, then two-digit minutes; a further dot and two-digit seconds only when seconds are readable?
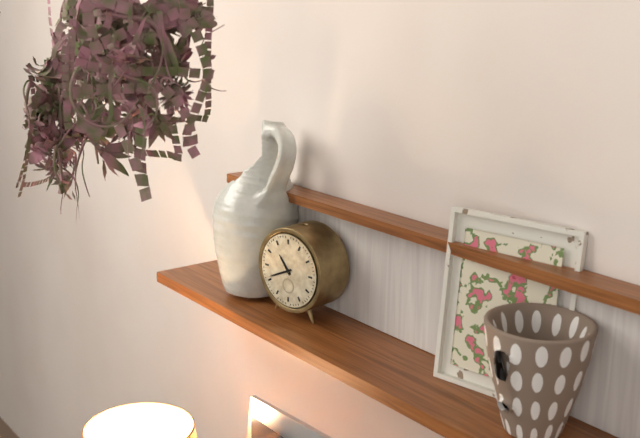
10.41
